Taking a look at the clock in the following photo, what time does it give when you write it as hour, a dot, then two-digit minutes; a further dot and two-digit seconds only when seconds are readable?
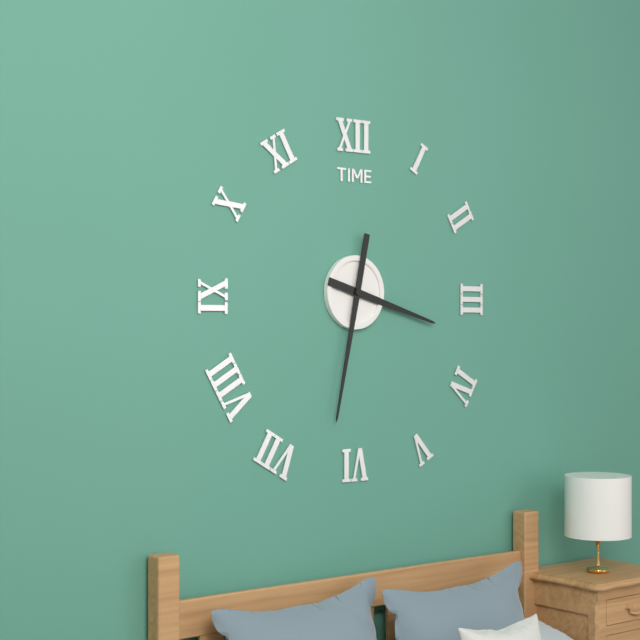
3.32
